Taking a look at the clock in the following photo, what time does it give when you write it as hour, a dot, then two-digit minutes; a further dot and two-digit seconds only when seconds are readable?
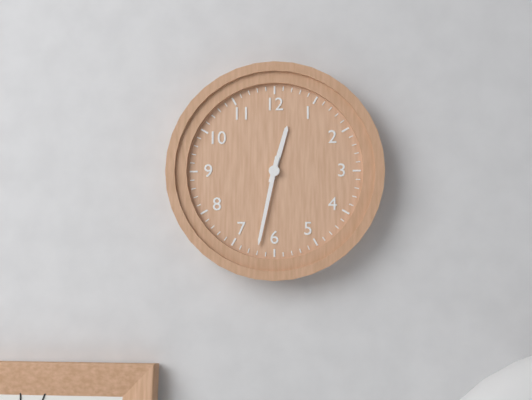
12.32
